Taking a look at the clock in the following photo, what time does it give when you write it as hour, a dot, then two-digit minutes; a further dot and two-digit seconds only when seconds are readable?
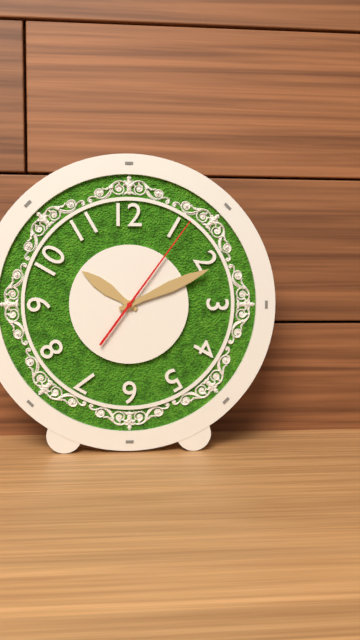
10.11.06
